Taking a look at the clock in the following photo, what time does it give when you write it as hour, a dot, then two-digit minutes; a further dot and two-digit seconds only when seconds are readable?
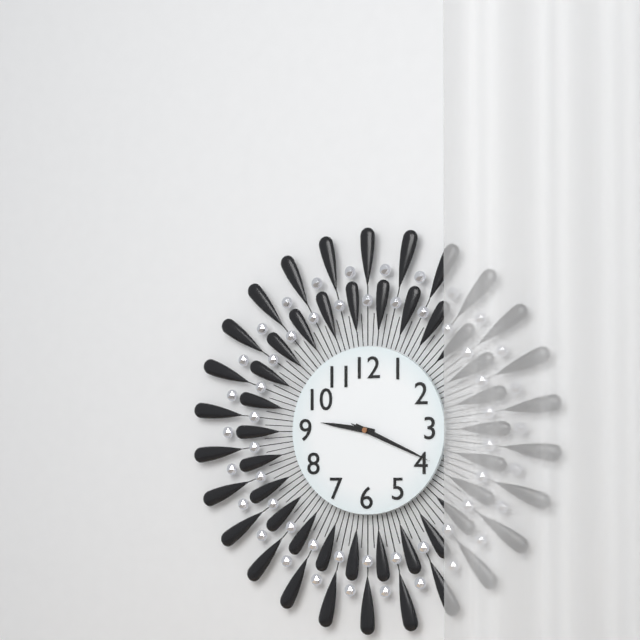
9.19.19
